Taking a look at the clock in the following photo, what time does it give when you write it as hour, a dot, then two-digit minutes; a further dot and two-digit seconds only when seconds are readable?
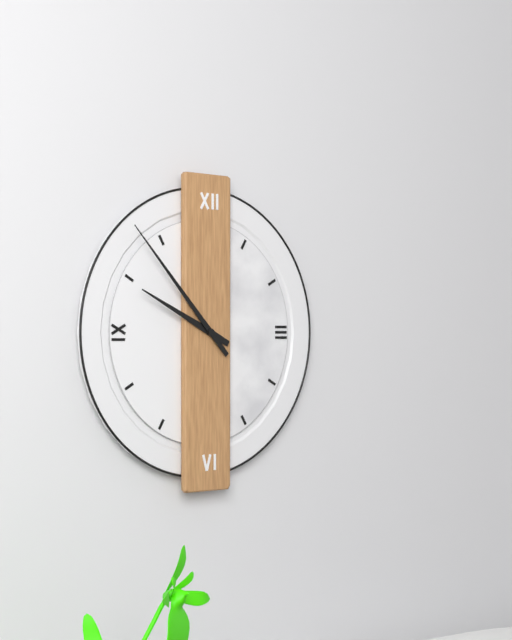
9.53
